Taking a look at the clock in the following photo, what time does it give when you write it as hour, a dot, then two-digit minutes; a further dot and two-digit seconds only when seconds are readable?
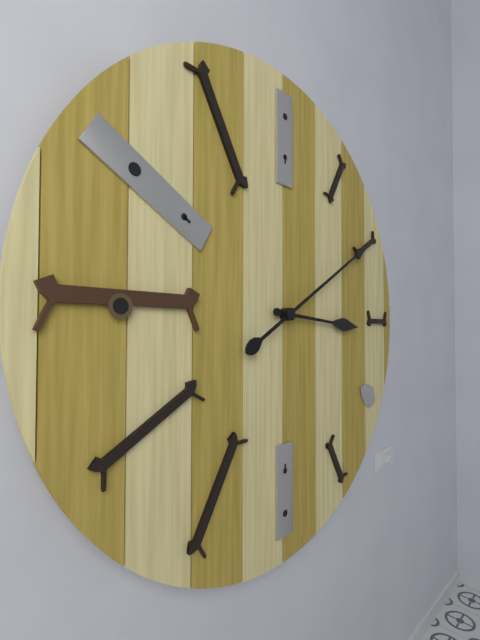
3.10
